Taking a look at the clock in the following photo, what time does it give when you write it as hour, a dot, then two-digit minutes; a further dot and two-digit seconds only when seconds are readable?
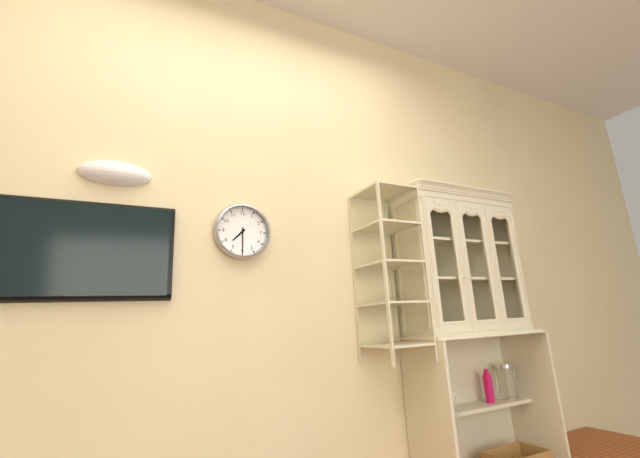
7.30
